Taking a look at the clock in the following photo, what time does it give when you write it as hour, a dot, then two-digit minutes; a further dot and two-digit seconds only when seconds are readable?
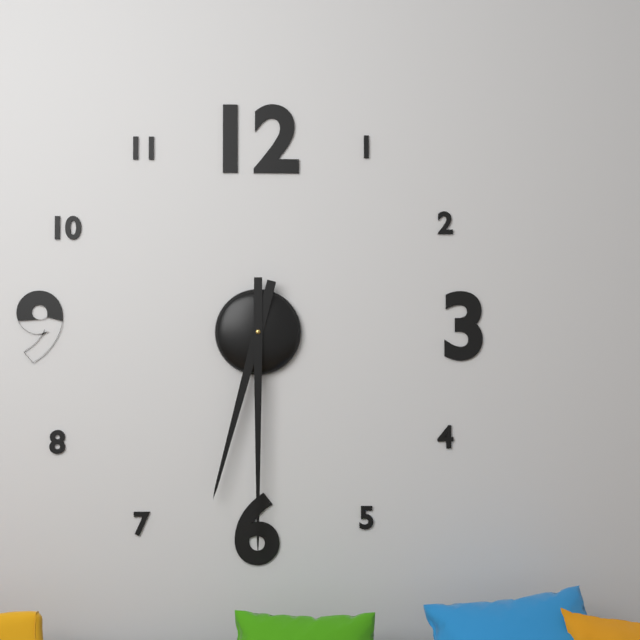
6.30
